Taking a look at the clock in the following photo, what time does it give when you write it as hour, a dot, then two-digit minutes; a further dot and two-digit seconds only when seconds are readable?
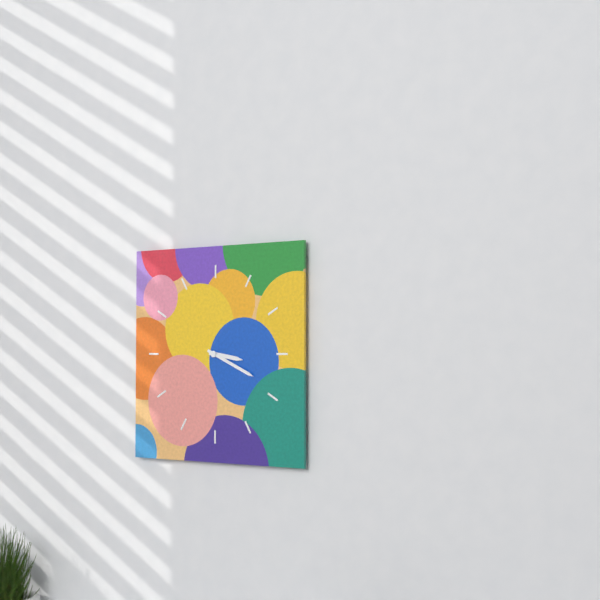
3.19
